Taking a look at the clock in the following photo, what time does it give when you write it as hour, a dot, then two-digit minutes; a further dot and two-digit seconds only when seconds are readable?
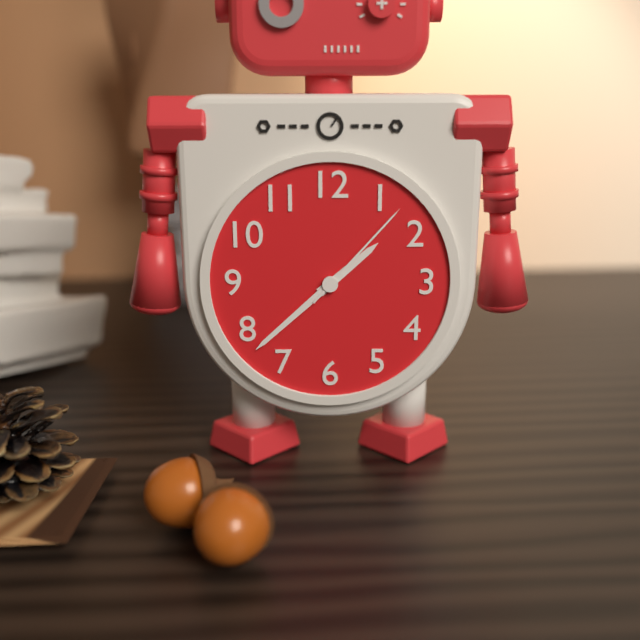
1.38.07
